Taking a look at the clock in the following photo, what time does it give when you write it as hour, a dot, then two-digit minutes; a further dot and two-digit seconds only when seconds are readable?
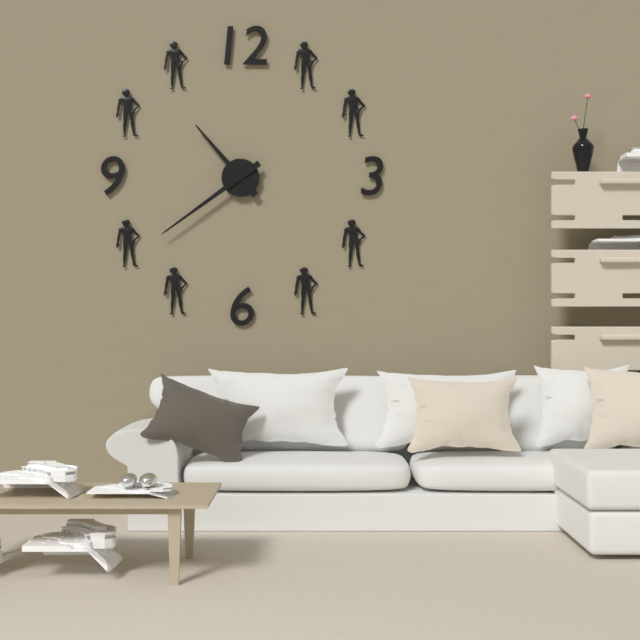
10.39
